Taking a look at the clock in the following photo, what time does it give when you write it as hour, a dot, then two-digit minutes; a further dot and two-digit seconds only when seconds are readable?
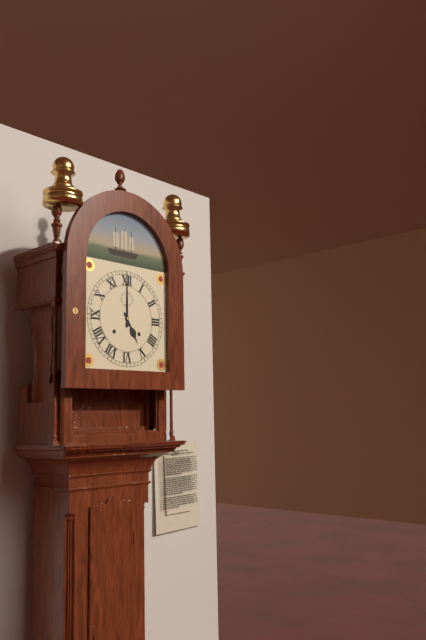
5.00
